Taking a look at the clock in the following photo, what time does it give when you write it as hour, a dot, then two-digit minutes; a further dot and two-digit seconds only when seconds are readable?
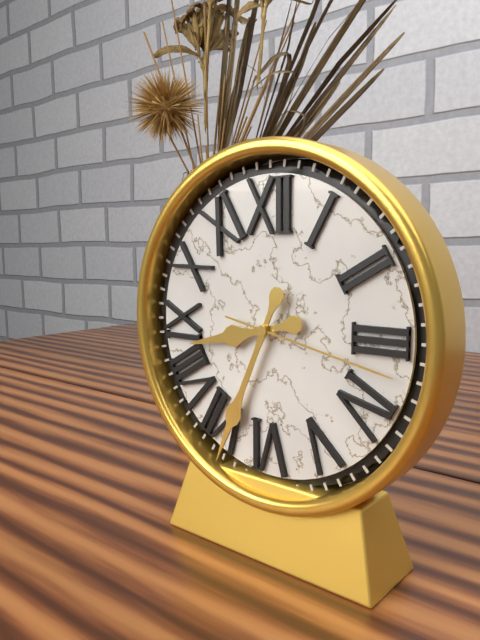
8.34.17
